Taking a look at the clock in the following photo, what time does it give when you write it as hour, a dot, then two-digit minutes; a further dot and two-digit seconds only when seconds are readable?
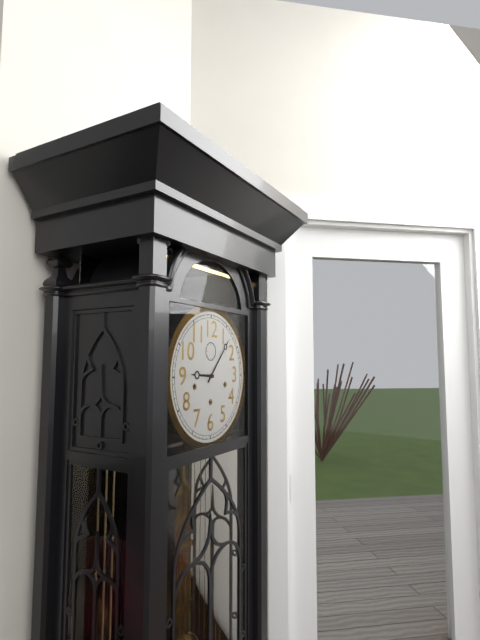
9.07
